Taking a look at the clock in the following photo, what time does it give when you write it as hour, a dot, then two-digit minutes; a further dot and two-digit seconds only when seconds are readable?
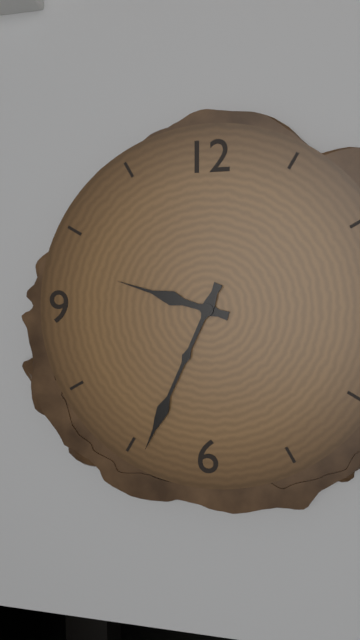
9.34
